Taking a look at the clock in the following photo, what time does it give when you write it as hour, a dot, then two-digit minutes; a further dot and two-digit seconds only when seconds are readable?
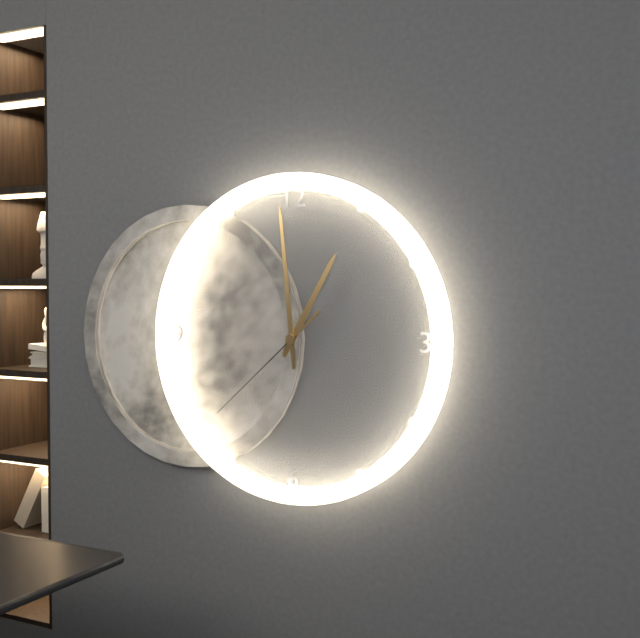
12.59.38
